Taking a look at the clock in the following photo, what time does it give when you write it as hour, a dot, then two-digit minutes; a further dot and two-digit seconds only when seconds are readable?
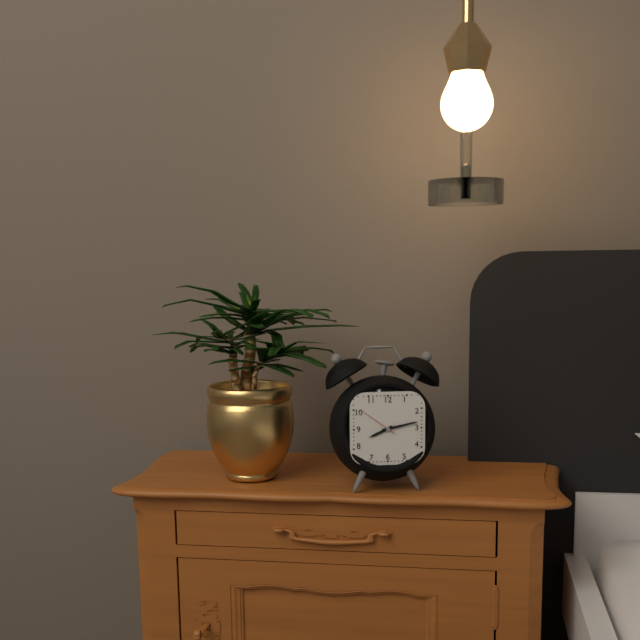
8.13
